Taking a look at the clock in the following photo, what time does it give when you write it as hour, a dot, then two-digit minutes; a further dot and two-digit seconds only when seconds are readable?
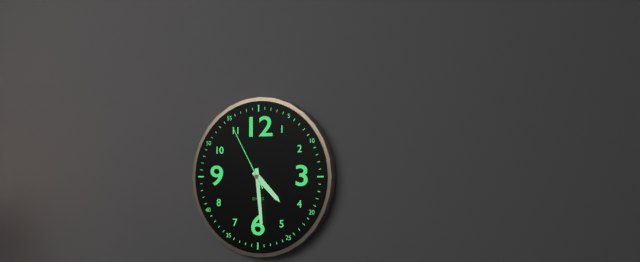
4.29.55
